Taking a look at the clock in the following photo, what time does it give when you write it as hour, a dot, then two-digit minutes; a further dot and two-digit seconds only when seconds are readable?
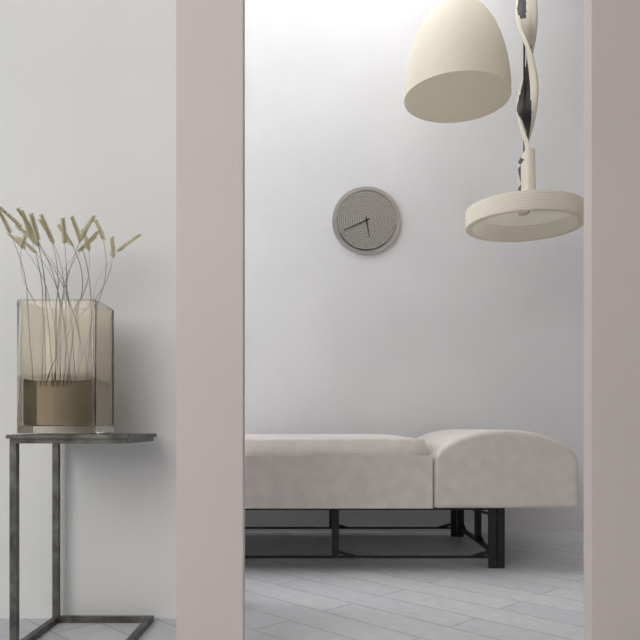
5.41
